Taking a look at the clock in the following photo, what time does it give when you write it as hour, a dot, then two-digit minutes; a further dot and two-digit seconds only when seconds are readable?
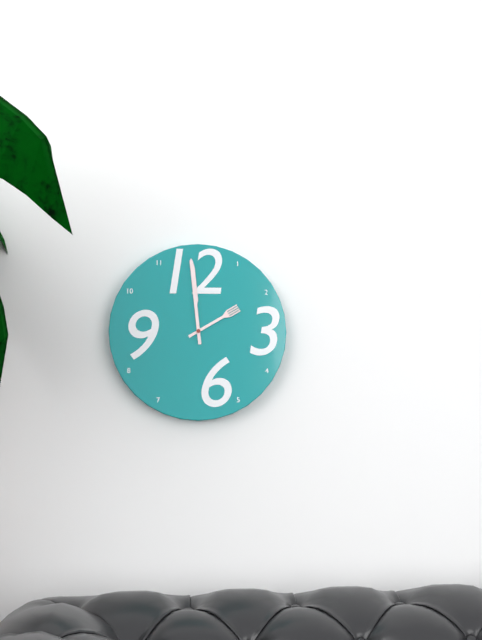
1.59
